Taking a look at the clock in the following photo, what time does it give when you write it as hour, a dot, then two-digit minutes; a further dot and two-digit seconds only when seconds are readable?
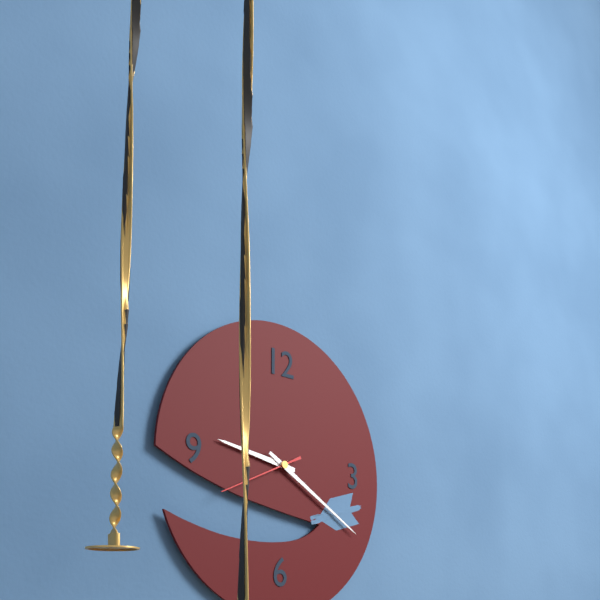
9.20.41
